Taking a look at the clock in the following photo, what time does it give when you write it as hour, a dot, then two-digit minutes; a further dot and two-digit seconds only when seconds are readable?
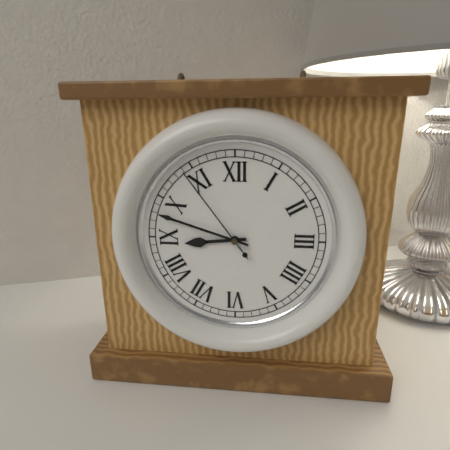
8.48.54
